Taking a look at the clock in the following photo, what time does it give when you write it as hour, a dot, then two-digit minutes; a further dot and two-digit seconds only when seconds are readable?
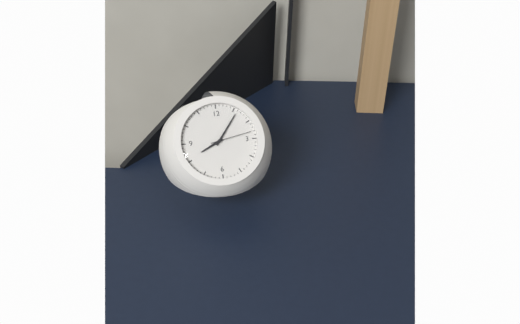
8.06
